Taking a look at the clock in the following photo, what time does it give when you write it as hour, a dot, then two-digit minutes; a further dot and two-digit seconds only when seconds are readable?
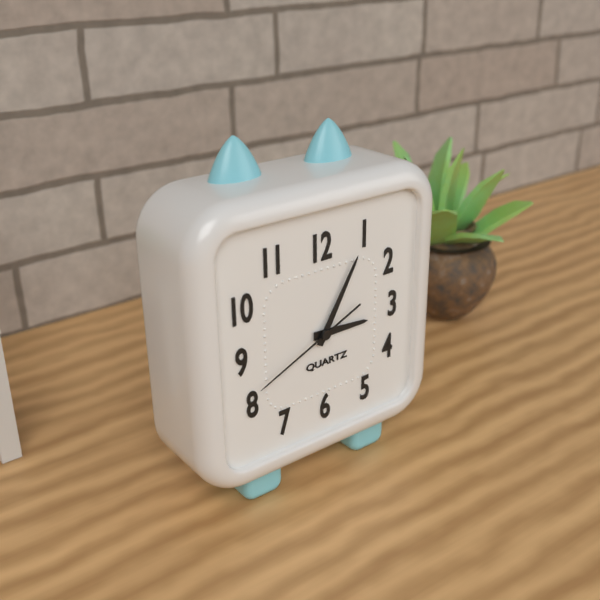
3.05.41
